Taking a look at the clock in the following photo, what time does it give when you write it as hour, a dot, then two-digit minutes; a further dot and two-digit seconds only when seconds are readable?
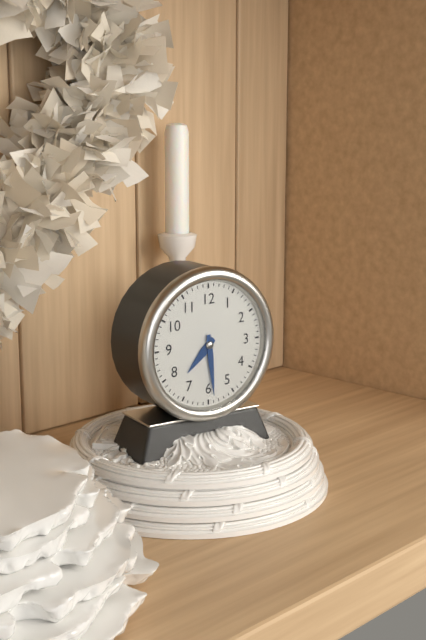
7.29
